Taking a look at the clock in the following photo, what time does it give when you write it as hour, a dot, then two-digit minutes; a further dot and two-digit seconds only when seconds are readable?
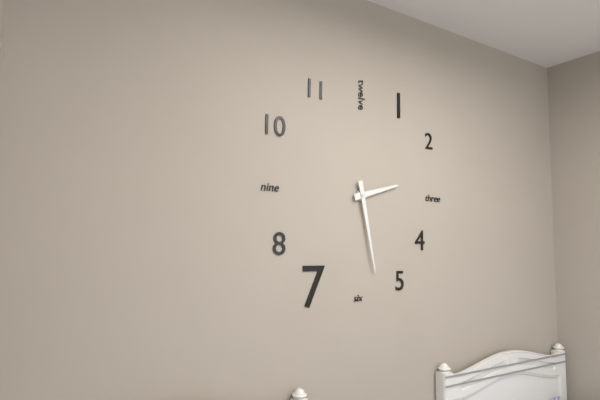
2.28
